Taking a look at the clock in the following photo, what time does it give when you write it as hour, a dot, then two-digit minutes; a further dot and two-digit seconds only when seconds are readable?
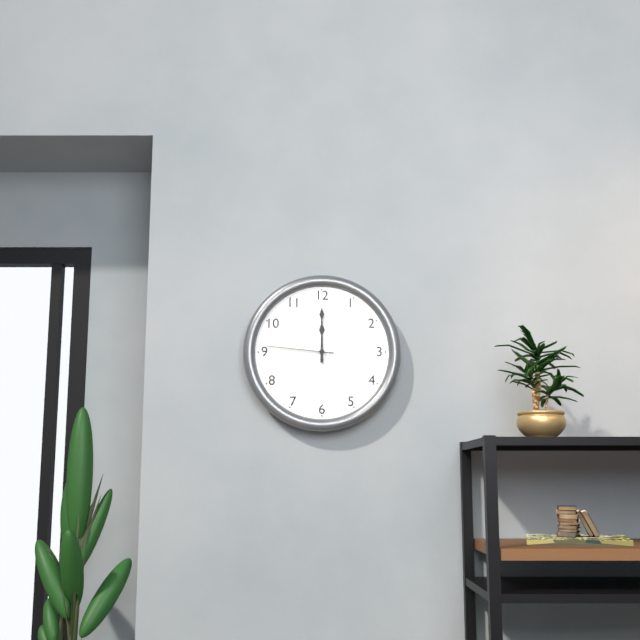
12.00.46
